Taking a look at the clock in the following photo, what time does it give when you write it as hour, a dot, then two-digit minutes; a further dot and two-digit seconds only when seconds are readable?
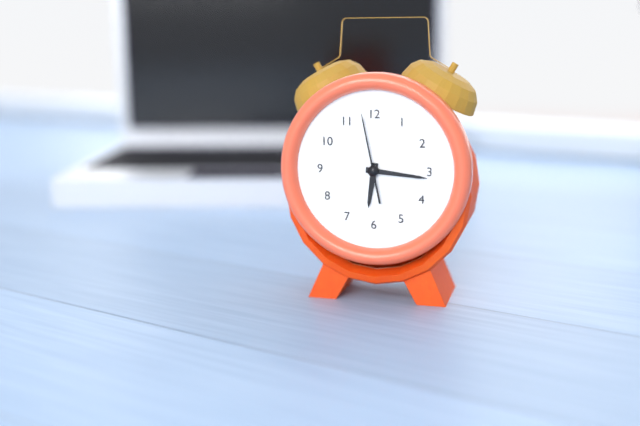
6.16.58
